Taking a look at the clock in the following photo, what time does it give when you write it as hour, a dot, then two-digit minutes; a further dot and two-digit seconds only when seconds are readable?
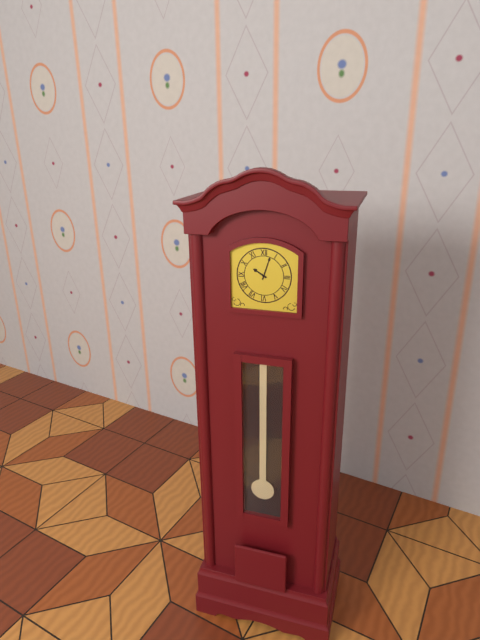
10.03
